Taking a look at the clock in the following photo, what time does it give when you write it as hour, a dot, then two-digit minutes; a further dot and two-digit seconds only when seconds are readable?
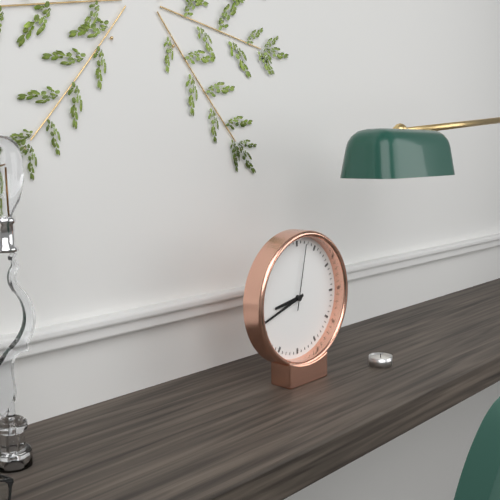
8.42.02
